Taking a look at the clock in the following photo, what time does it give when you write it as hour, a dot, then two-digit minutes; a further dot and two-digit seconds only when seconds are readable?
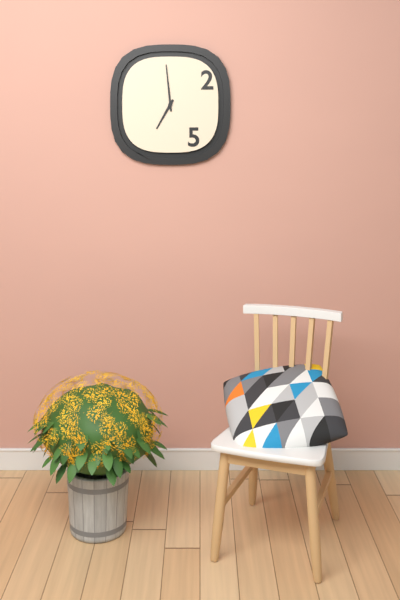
6.59
